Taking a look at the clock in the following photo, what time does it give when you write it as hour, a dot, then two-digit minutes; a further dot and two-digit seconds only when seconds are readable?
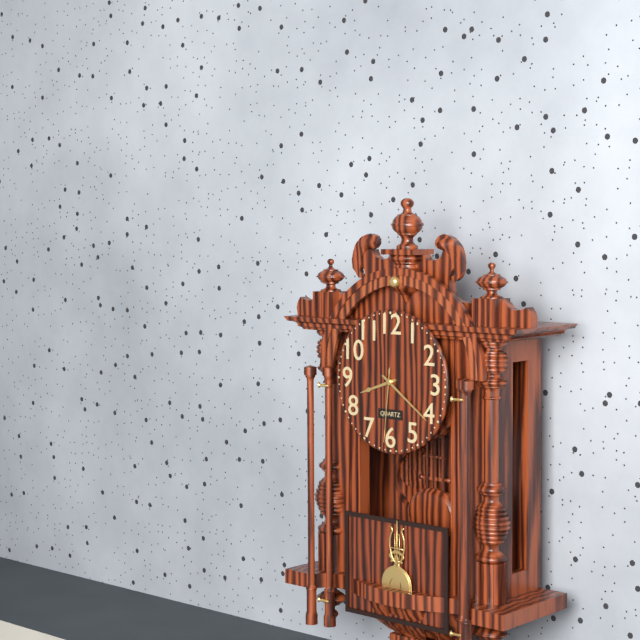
8.21.31
